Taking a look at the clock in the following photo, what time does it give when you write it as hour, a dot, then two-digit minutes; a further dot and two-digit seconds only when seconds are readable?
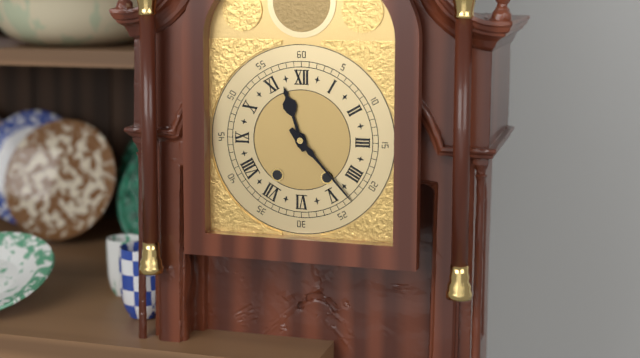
11.23
